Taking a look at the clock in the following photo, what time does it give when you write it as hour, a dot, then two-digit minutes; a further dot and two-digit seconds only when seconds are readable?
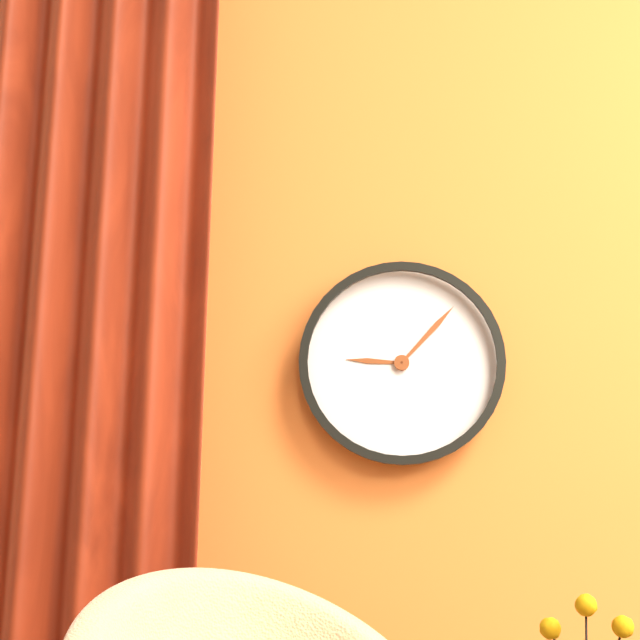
9.07
